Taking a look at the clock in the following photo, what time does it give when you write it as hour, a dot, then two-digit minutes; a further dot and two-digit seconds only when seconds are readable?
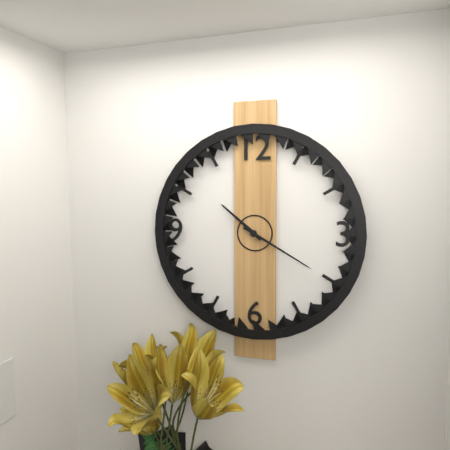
10.20
